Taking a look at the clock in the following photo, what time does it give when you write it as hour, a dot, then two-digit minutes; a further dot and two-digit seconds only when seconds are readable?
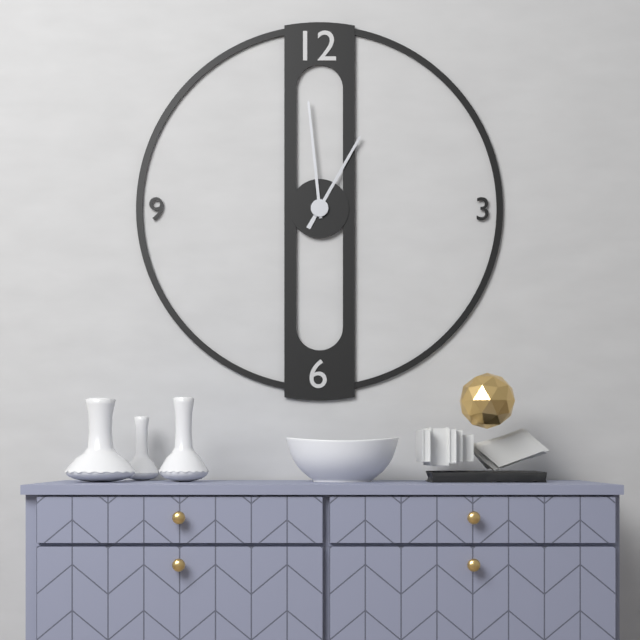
12.59
